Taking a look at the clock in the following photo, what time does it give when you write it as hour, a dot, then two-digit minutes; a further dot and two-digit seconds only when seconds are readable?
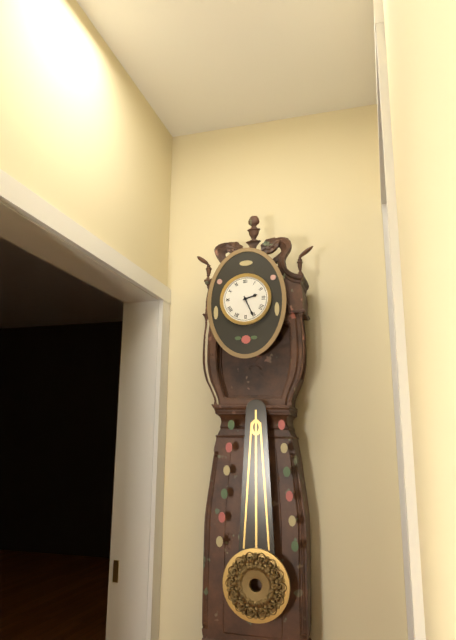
2.26
